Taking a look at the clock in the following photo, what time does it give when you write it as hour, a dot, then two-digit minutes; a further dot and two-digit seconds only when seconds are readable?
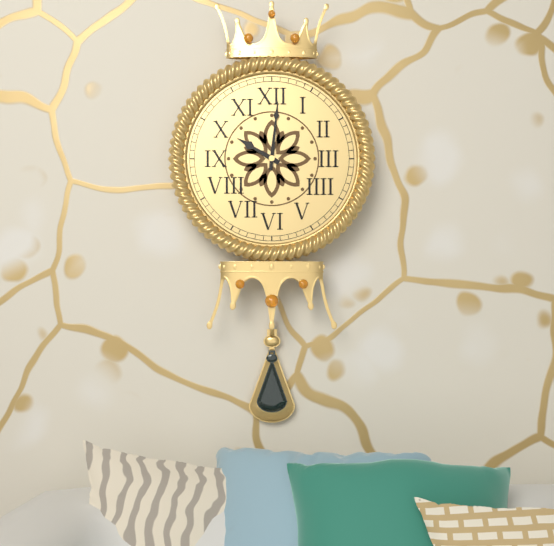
10.01
